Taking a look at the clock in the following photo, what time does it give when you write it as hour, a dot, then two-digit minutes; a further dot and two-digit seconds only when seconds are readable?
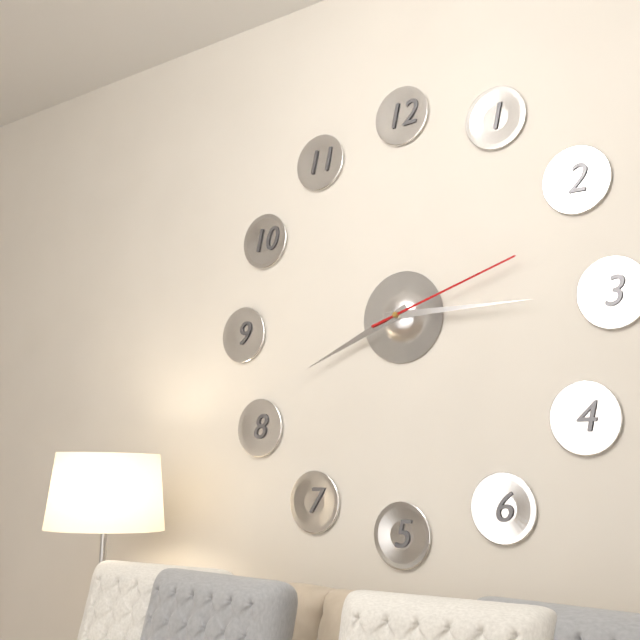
8.15.12
